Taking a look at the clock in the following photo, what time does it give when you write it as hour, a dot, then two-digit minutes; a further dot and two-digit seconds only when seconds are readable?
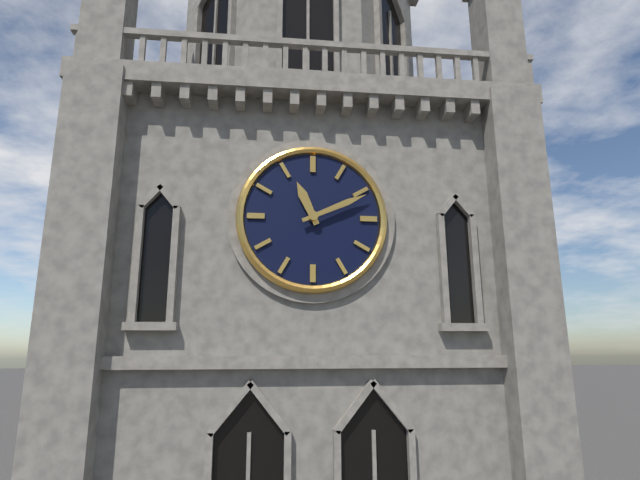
11.11
